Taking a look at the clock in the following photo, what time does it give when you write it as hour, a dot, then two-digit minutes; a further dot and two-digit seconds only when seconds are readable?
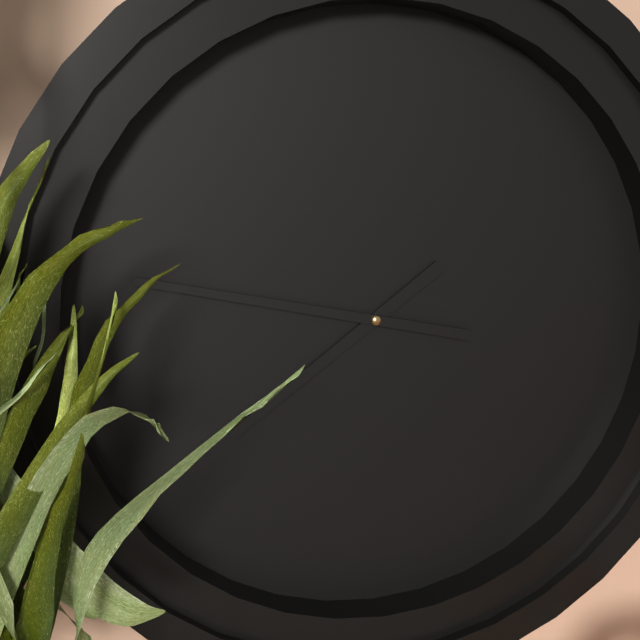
7.47
